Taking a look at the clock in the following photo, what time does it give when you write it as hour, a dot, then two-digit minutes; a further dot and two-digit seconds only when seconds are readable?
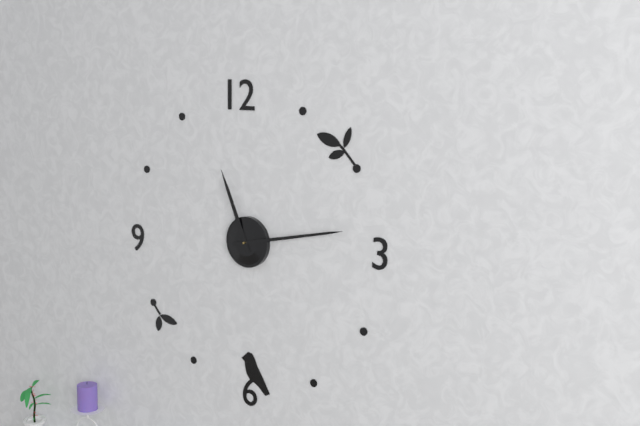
11.13
